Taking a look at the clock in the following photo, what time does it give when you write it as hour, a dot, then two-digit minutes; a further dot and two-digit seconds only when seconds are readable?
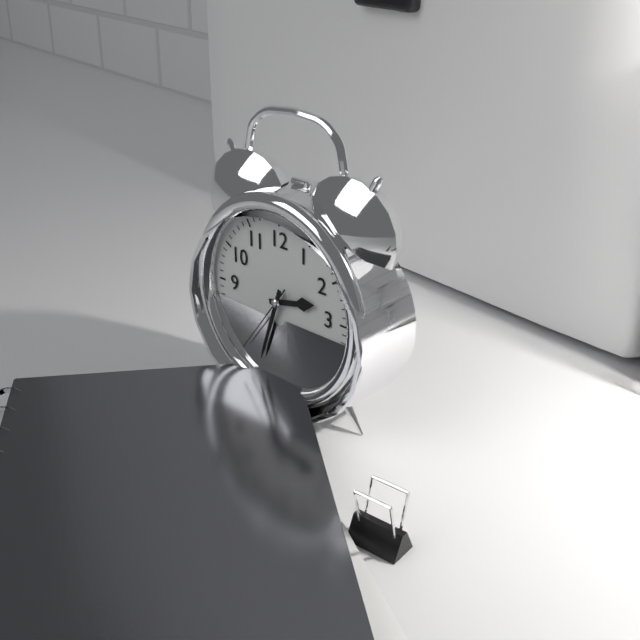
2.33.36
